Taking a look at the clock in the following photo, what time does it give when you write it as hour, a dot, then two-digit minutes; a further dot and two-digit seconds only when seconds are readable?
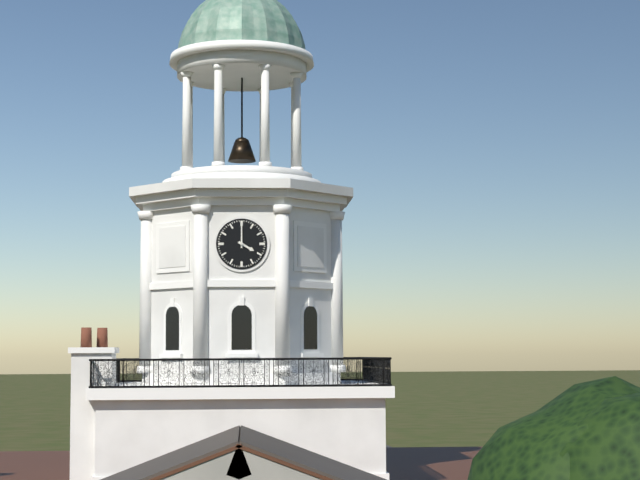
4.00
